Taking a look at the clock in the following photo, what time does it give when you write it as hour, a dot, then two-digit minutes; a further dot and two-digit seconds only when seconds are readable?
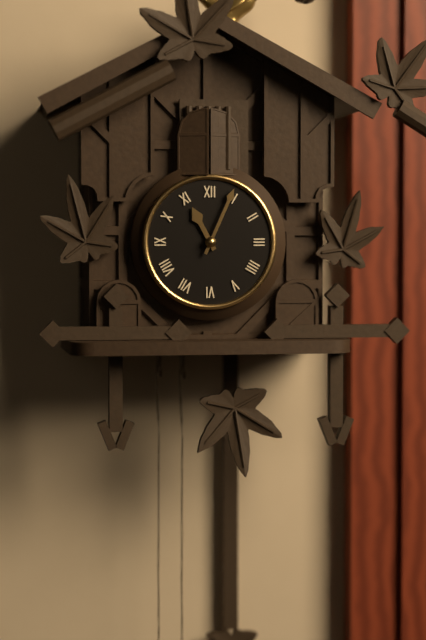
11.04
